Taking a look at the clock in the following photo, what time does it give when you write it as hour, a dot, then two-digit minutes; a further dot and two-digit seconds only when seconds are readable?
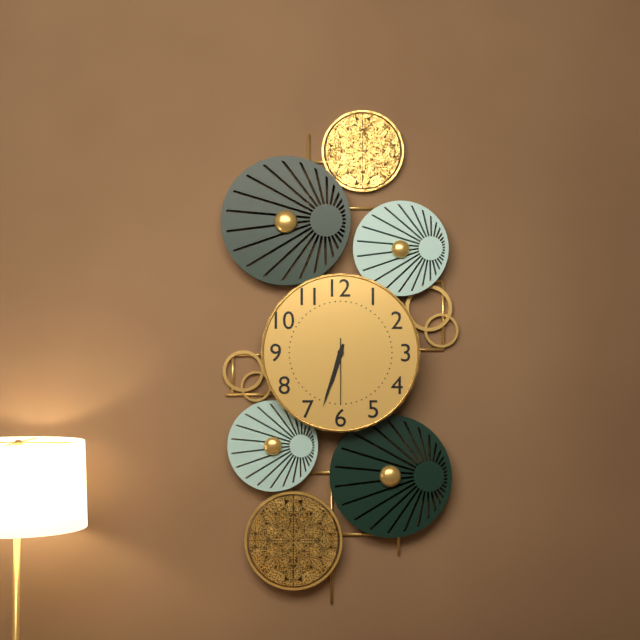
6.33.30
